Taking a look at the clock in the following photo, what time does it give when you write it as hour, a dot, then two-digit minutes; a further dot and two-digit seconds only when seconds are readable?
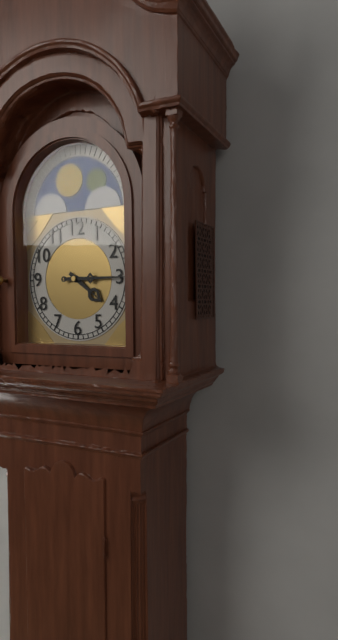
4.15
